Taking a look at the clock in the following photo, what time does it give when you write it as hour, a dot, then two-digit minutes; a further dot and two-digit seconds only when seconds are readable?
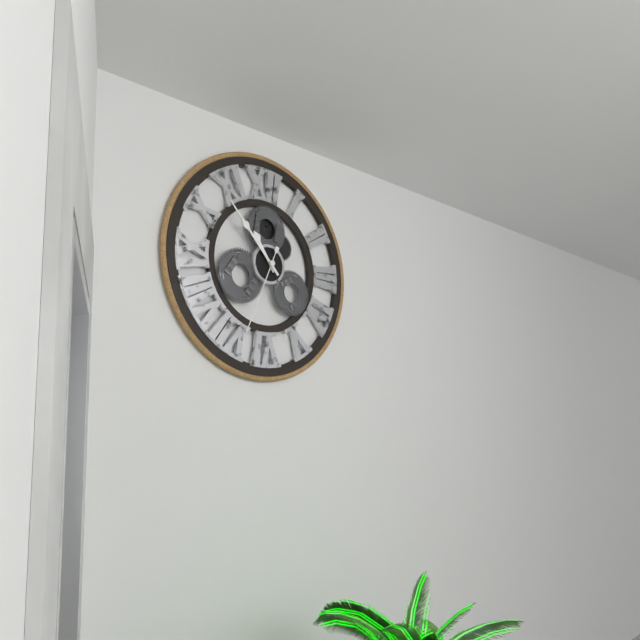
10.53.34
